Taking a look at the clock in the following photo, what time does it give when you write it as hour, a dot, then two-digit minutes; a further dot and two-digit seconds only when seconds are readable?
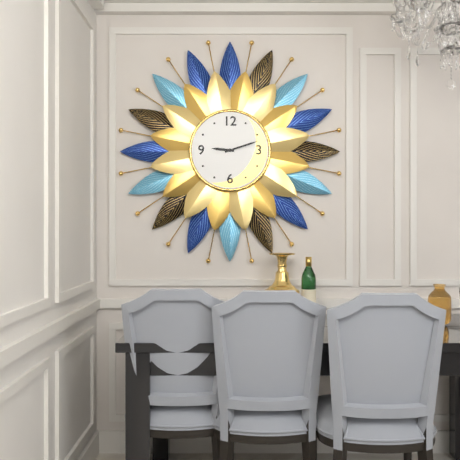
9.12
